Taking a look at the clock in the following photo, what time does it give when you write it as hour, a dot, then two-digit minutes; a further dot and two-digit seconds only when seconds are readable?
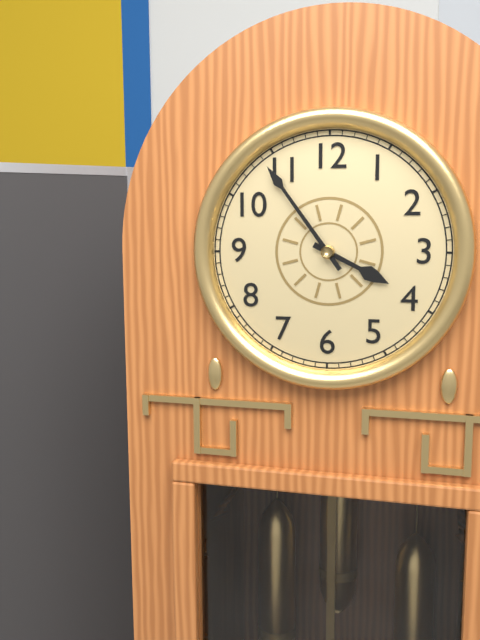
3.54
